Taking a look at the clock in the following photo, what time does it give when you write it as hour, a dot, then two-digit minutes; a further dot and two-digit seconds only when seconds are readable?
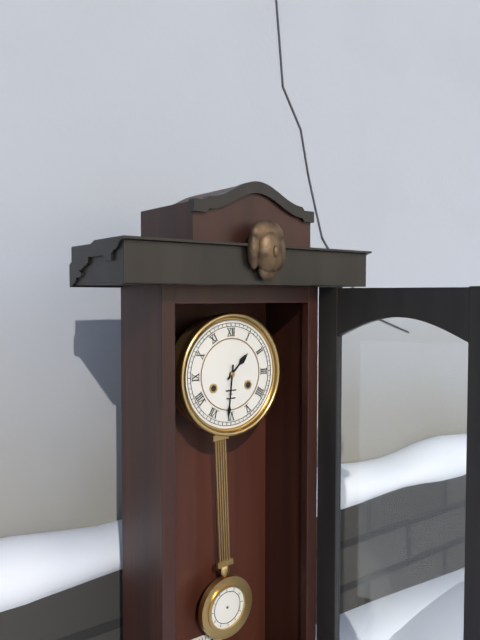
1.31
